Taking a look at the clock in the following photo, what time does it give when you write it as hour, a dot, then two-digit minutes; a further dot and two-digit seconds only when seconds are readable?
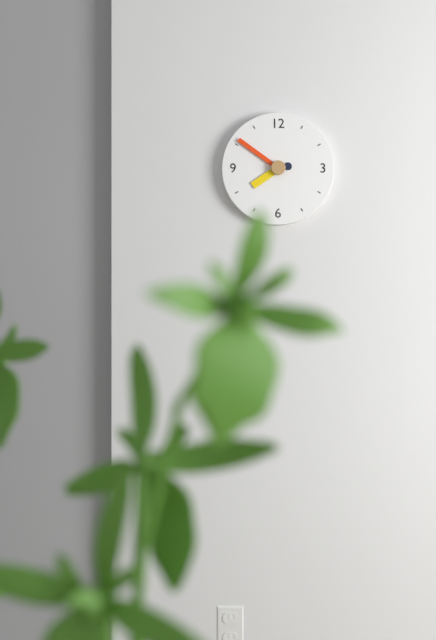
7.51
